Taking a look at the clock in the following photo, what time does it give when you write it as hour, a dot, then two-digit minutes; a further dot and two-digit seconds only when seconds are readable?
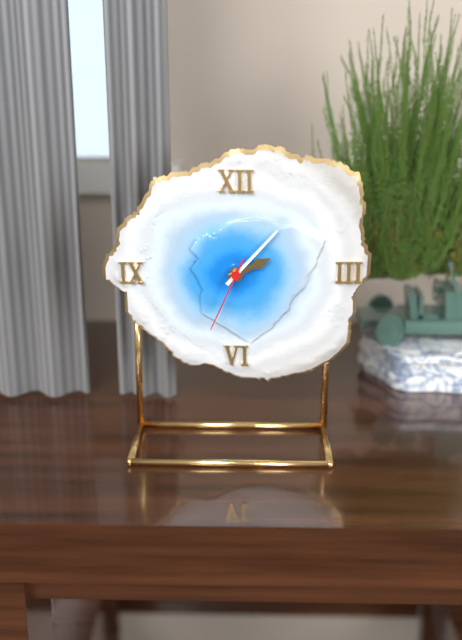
2.07.34
